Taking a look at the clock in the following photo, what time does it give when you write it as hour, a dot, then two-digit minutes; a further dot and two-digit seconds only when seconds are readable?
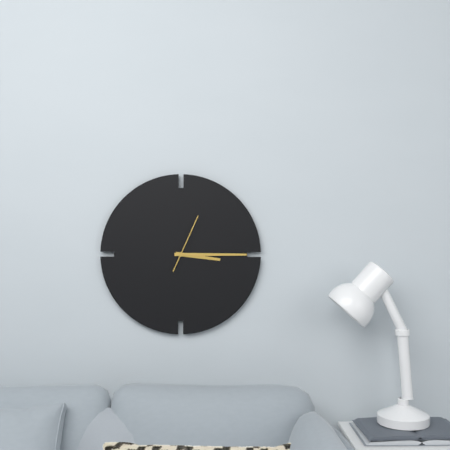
3.15.04
